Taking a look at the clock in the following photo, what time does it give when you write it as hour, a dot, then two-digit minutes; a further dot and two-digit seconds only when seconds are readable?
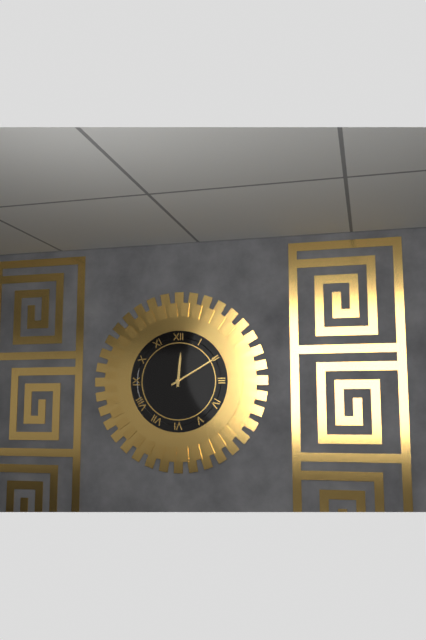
12.10
